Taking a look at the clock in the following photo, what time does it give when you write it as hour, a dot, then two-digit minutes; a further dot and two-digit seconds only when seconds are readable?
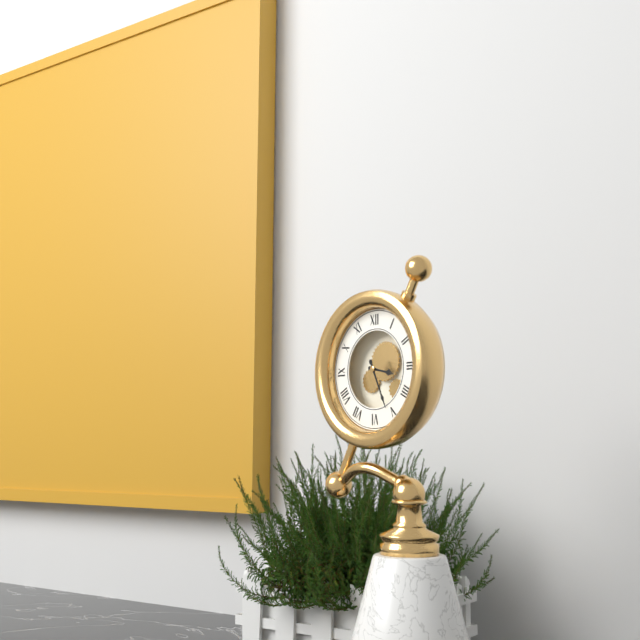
3.26
